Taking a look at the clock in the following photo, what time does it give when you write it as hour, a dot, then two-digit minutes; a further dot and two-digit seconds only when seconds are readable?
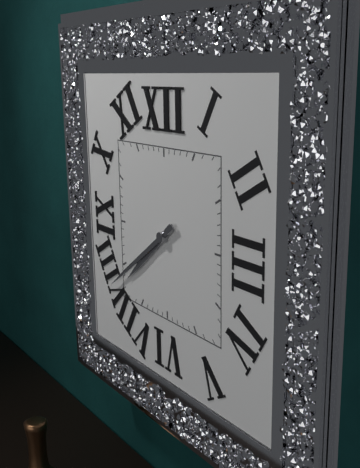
7.39
